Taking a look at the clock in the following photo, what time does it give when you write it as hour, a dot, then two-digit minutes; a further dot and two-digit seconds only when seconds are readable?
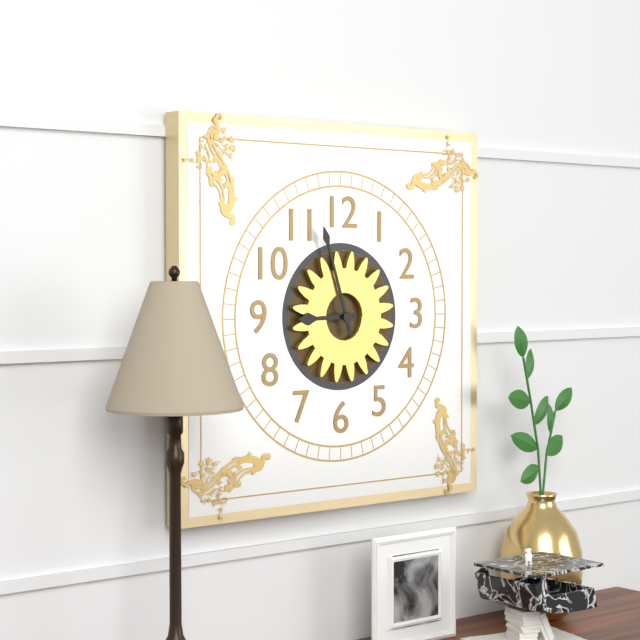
8.57
